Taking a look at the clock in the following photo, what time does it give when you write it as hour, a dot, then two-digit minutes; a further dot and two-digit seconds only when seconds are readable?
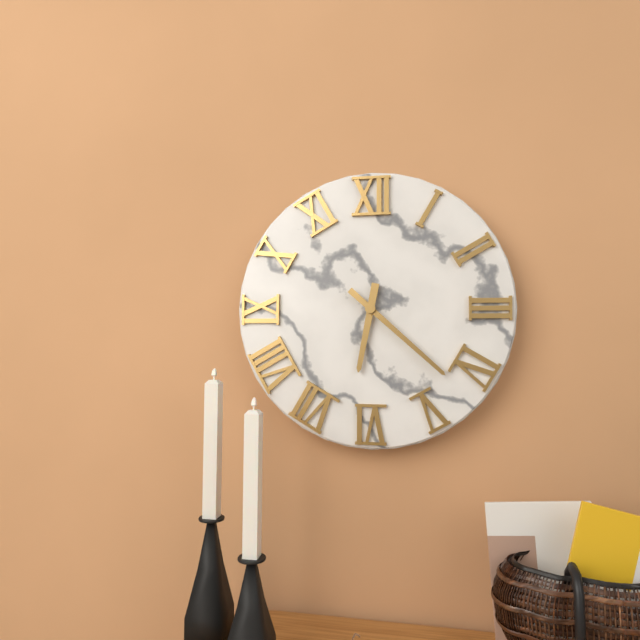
6.22
